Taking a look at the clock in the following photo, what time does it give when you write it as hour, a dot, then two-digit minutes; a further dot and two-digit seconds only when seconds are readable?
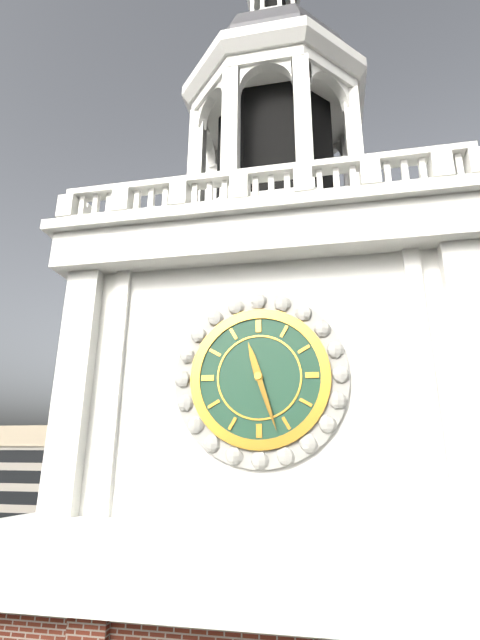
11.27
